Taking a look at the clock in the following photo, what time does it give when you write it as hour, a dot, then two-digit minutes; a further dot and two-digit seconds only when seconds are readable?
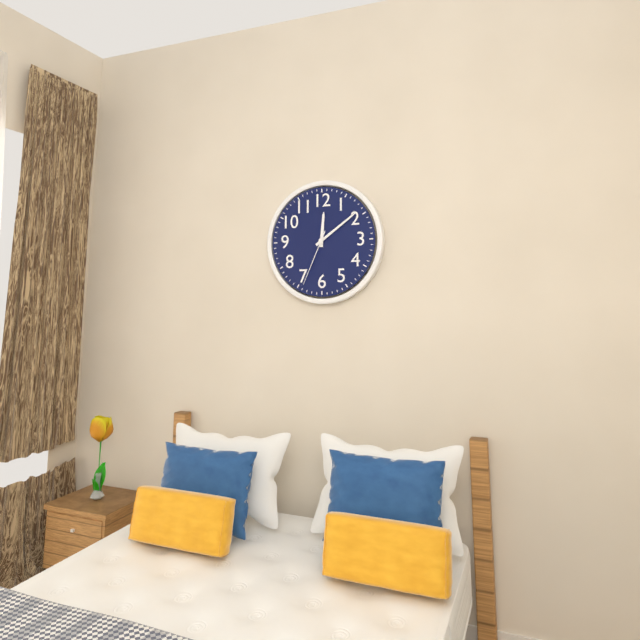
12.09.34
